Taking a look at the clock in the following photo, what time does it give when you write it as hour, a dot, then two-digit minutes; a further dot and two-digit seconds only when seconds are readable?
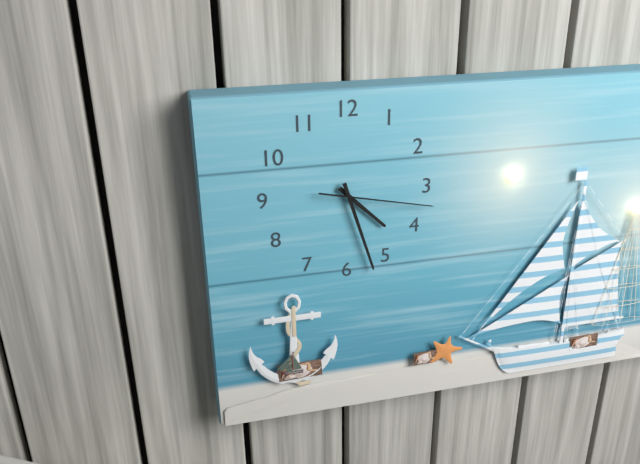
4.27.17
